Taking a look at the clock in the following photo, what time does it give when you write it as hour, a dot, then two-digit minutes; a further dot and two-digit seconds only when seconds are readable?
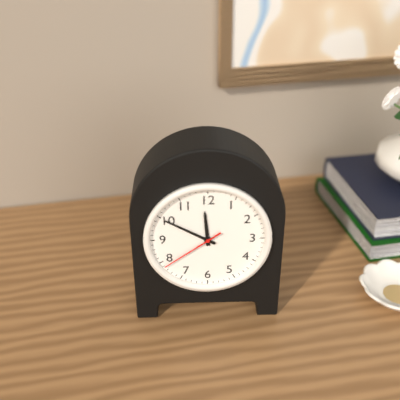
11.50.39
